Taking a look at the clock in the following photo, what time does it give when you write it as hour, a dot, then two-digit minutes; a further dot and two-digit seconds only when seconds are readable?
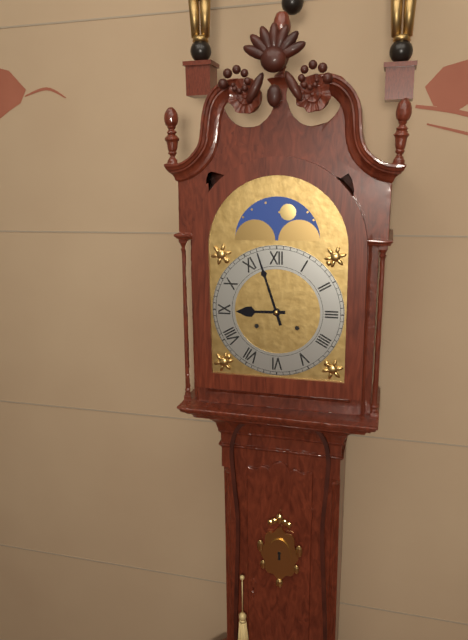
8.57
